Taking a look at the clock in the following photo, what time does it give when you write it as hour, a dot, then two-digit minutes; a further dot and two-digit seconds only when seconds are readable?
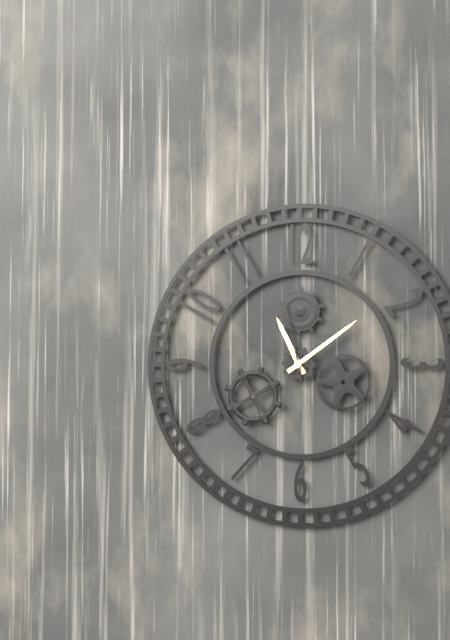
11.09.58
